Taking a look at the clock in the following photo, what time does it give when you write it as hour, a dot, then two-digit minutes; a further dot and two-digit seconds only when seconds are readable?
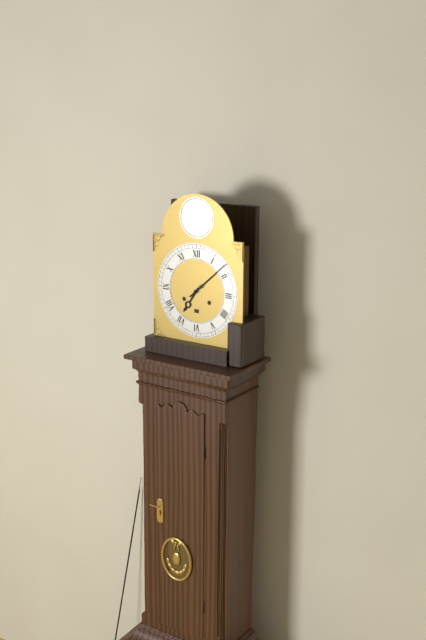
7.08
